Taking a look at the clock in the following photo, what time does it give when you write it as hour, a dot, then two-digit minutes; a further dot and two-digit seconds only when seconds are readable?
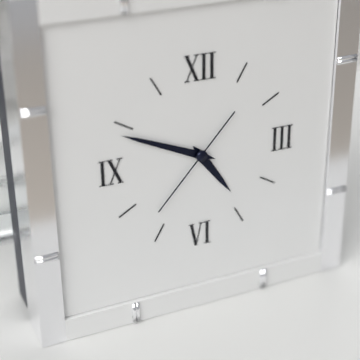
4.49.37
